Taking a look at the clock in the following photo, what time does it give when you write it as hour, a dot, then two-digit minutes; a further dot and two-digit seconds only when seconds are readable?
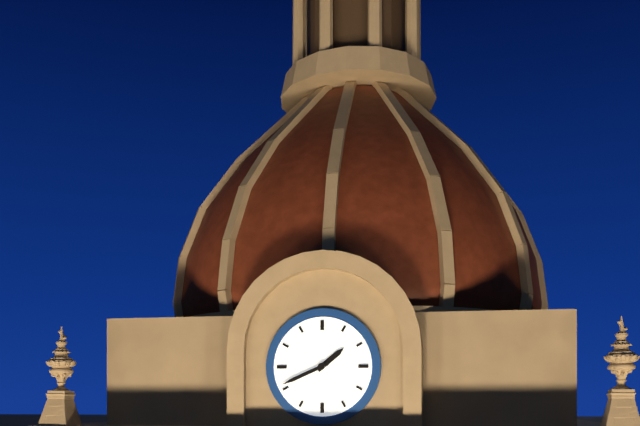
1.41
